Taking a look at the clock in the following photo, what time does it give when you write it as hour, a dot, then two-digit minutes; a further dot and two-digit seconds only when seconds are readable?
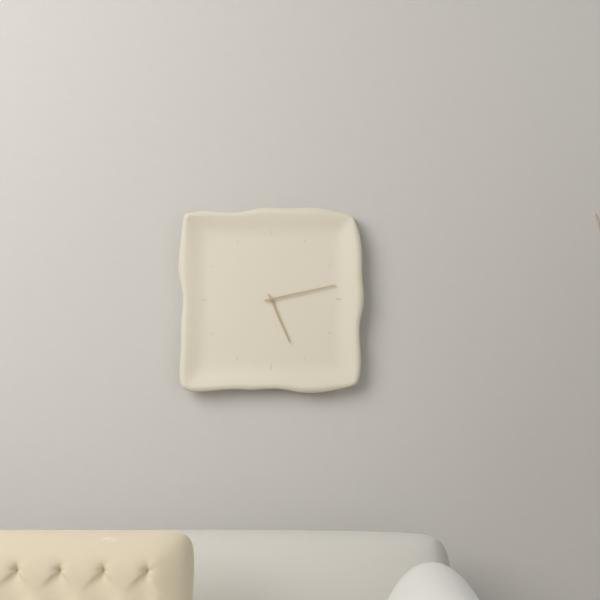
5.13
